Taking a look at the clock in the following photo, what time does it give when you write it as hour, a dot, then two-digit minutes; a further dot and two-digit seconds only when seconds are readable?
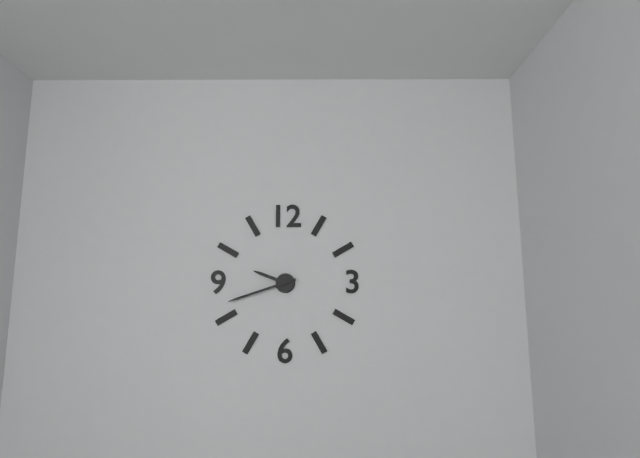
9.42
